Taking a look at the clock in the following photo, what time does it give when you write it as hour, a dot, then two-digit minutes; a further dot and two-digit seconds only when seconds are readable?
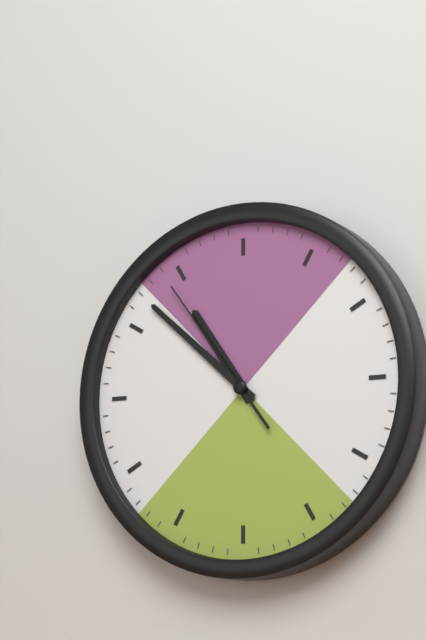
10.52.54
